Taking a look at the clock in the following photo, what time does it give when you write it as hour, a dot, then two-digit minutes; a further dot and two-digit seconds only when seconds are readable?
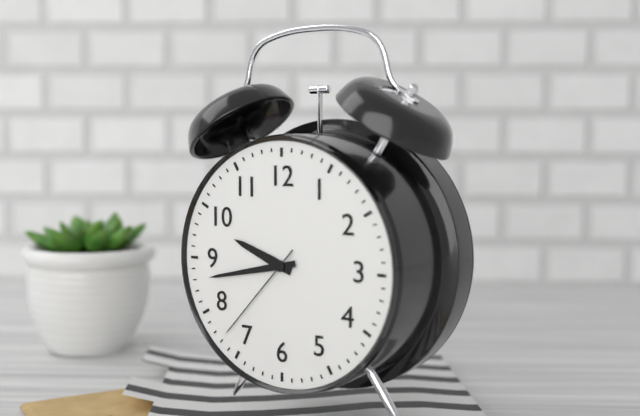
9.43.37
